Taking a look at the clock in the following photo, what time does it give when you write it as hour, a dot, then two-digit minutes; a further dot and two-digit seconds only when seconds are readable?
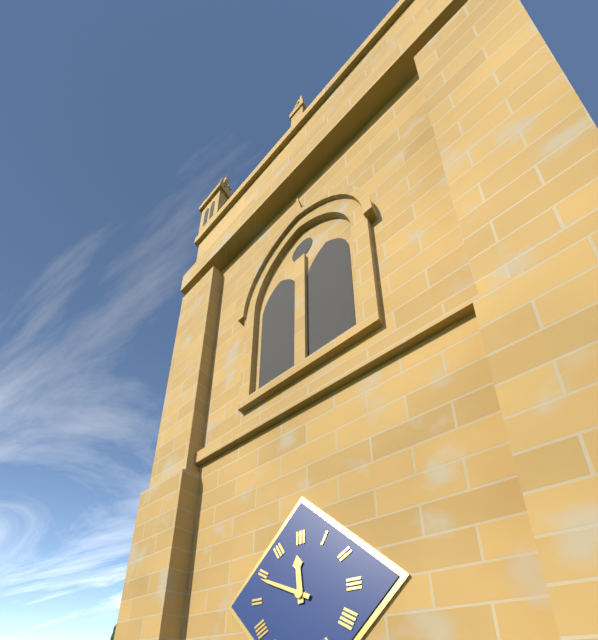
11.49
